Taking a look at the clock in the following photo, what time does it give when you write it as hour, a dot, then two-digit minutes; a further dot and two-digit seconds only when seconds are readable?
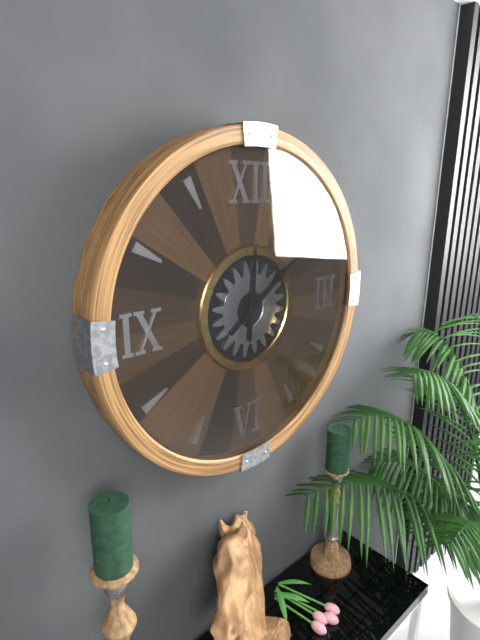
12.09
